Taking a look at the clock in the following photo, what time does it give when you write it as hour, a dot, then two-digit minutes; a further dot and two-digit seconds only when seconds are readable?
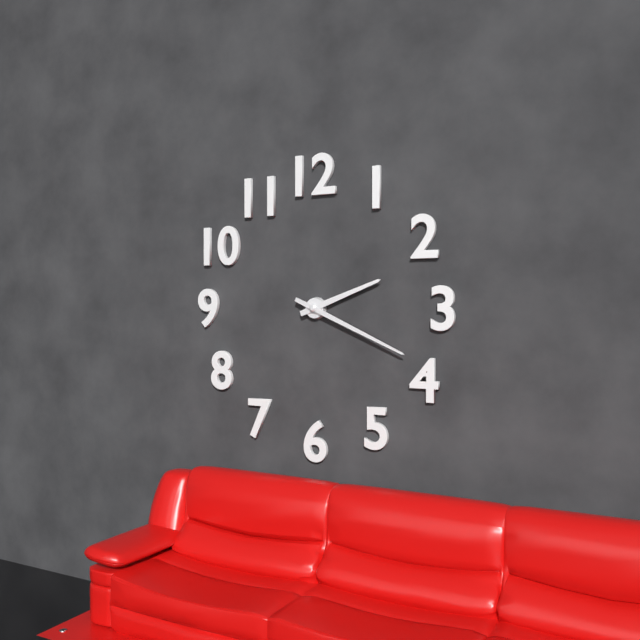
2.19
